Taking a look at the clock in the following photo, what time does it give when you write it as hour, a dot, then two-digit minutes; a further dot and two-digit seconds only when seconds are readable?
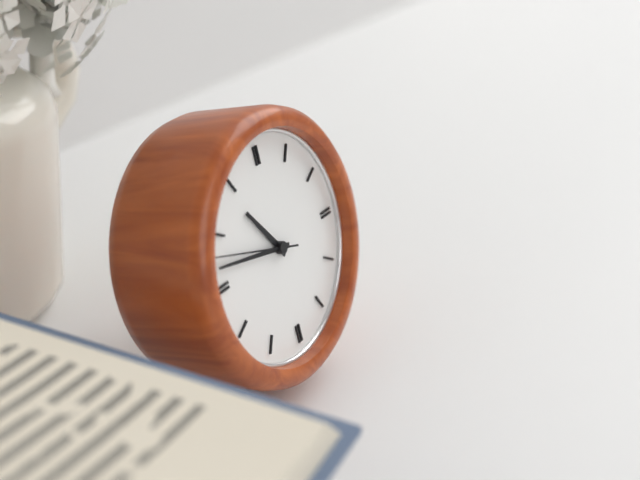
10.47.48
